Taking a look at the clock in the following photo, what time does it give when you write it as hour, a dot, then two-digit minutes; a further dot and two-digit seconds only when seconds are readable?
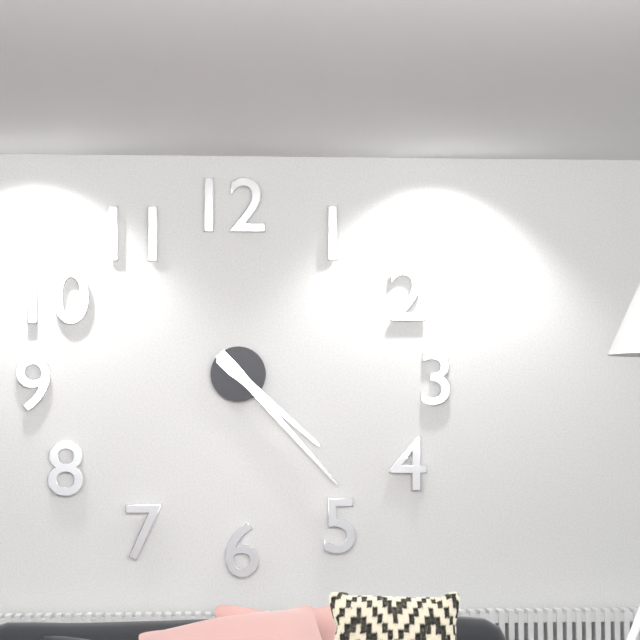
4.23
